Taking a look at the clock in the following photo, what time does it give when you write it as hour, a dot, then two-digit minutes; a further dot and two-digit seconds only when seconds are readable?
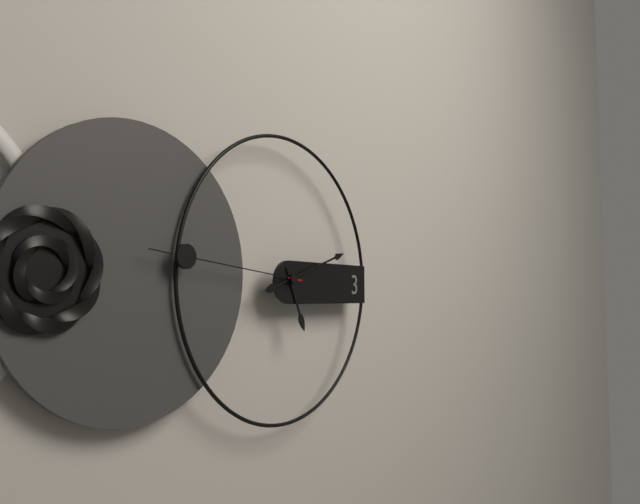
5.12.46
